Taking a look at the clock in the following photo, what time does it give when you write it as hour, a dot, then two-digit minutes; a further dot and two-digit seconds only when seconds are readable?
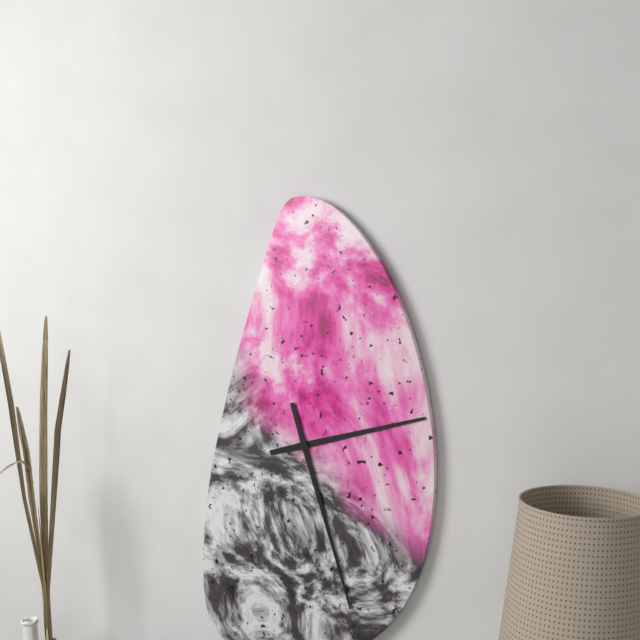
2.27
